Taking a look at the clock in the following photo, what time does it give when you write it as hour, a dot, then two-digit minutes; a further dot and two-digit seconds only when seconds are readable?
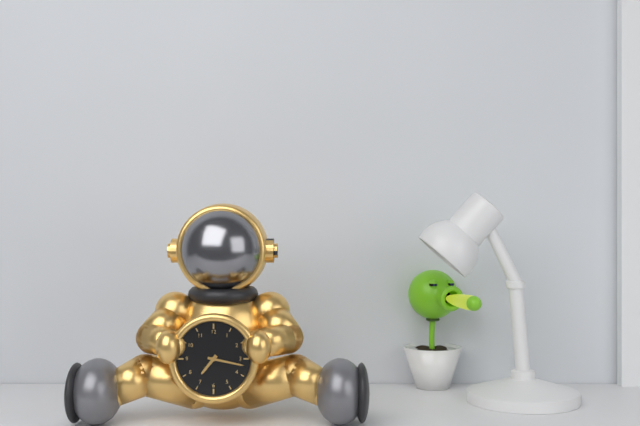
7.17
